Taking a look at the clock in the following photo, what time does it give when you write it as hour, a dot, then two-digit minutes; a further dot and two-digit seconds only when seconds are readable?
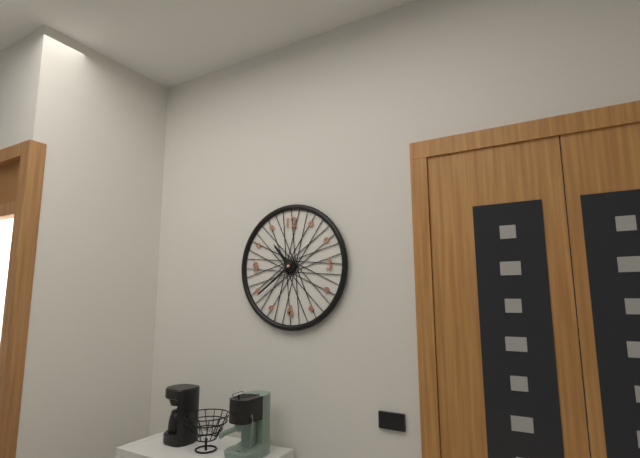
10.39
